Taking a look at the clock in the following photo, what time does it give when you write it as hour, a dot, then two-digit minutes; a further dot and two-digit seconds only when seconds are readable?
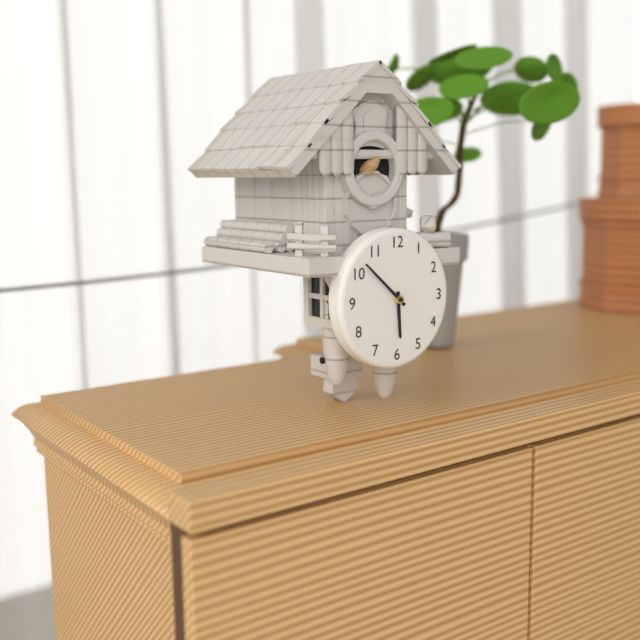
5.52
